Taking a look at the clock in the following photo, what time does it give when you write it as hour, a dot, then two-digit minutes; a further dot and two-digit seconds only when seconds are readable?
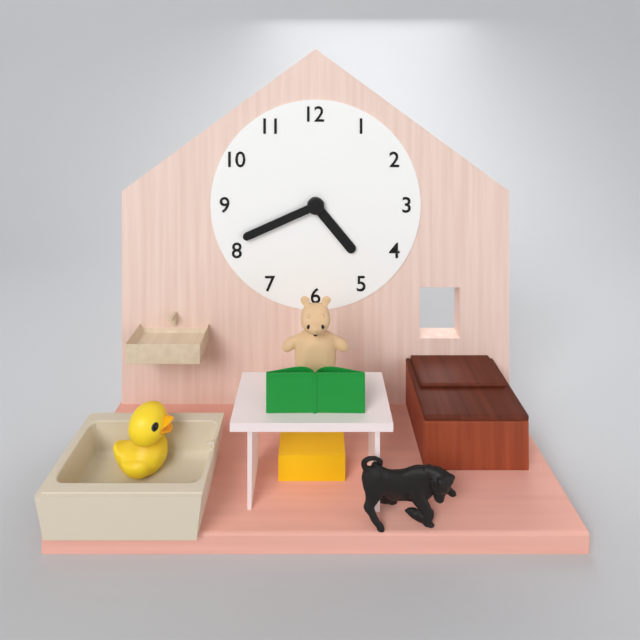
4.41
